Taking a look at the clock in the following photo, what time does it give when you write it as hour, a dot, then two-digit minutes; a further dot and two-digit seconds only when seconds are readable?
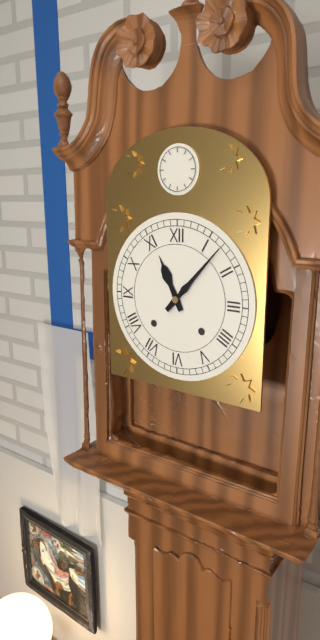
11.07
